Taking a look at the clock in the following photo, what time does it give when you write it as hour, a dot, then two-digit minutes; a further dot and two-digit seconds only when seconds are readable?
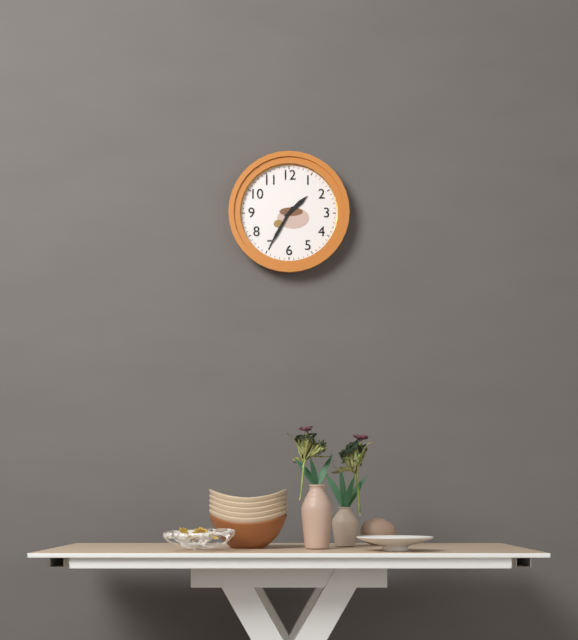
1.35
